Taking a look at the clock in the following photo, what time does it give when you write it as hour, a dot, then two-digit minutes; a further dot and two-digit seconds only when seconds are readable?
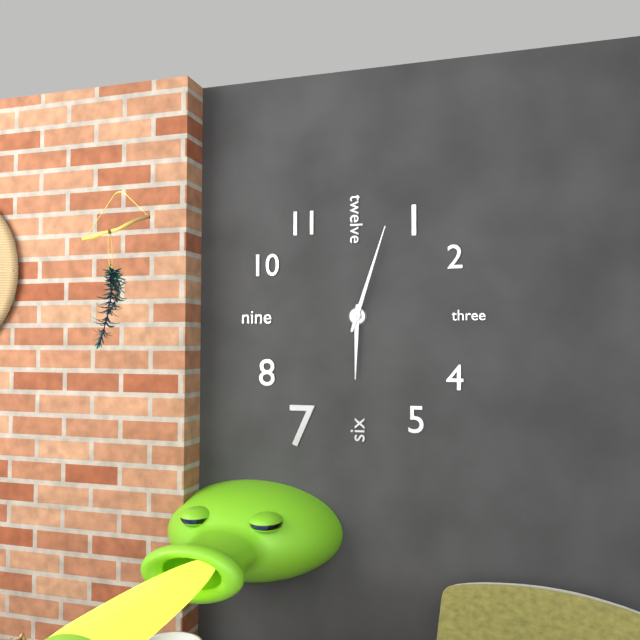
6.03
